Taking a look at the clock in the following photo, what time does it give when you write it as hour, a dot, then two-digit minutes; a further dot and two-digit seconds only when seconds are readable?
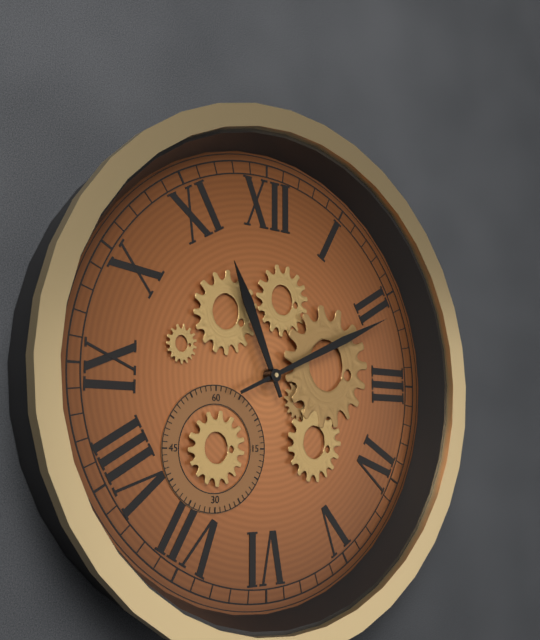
11.11
